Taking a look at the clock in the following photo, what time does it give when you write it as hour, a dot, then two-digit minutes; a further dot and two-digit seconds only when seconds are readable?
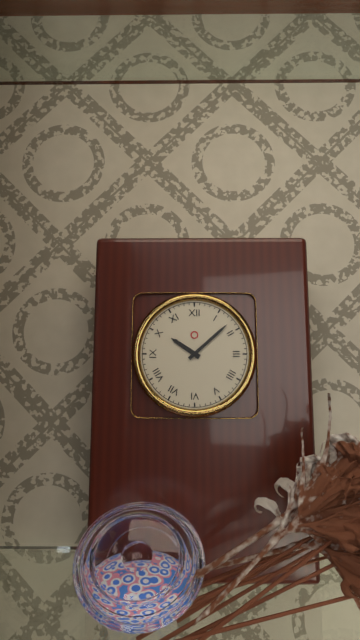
10.08
